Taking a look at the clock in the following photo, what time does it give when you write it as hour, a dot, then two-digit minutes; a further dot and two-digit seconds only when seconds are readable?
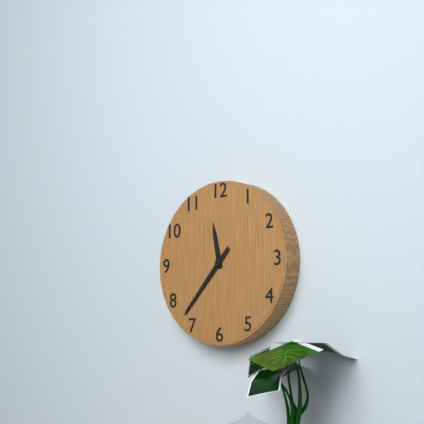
11.37
